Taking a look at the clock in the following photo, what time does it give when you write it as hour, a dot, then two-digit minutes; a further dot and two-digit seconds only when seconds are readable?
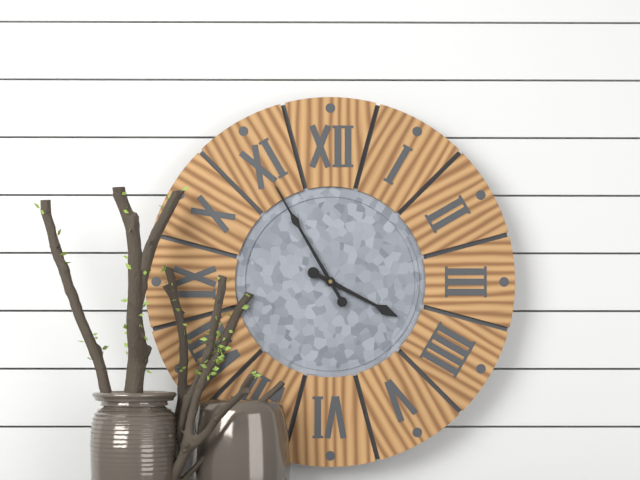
3.55
